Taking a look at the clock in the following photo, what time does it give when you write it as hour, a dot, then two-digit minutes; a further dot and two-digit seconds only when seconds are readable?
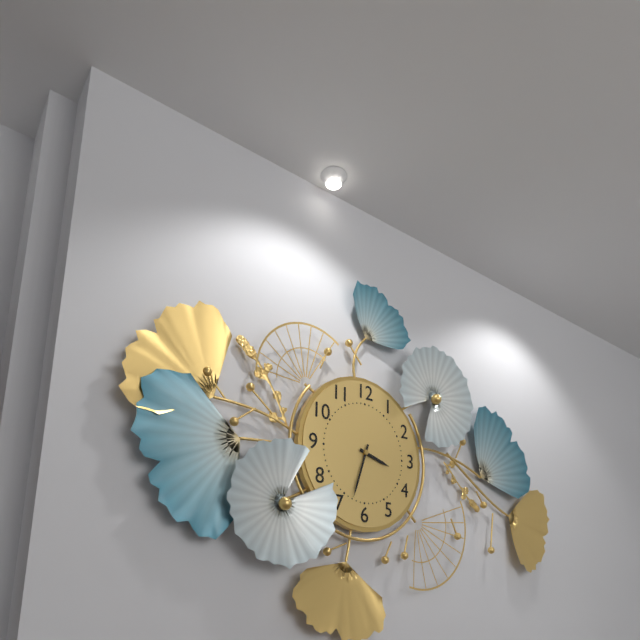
3.33
